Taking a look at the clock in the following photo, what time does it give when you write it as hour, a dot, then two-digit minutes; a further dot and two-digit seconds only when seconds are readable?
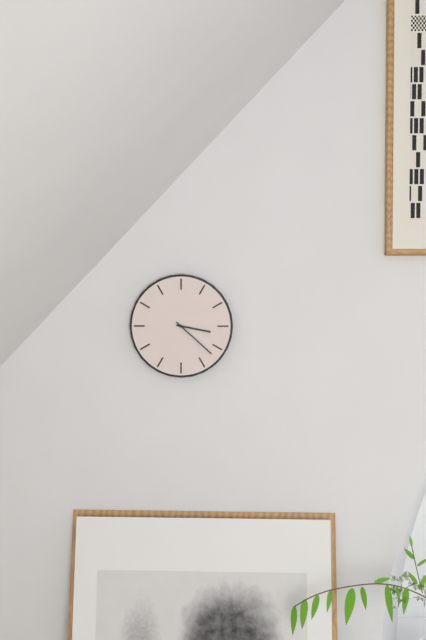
3.22
